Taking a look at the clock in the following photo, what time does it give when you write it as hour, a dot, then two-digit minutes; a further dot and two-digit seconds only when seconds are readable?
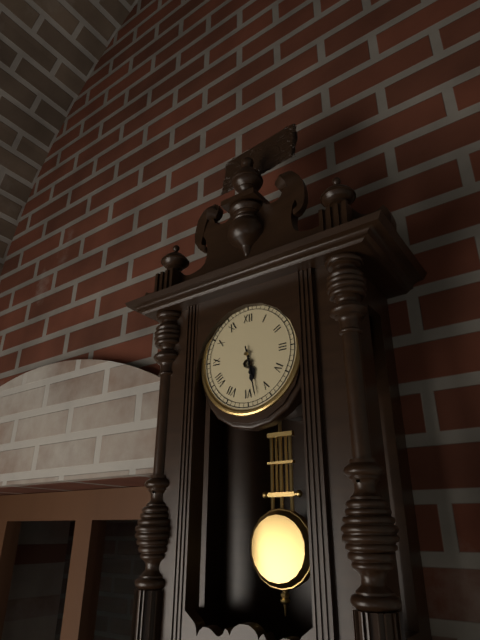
5.28
